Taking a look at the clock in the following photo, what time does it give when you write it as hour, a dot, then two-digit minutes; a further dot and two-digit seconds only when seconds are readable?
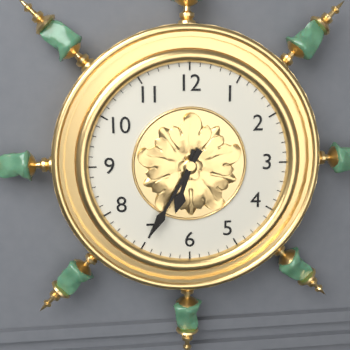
6.35
